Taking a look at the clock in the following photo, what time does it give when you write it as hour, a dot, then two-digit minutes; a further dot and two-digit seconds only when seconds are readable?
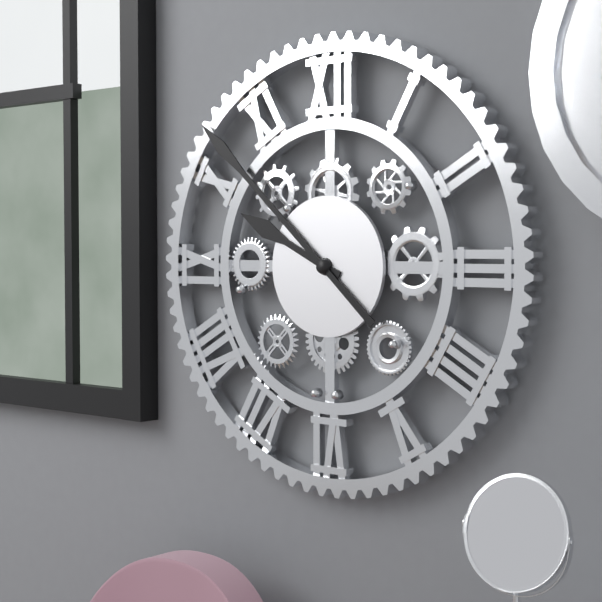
9.52
